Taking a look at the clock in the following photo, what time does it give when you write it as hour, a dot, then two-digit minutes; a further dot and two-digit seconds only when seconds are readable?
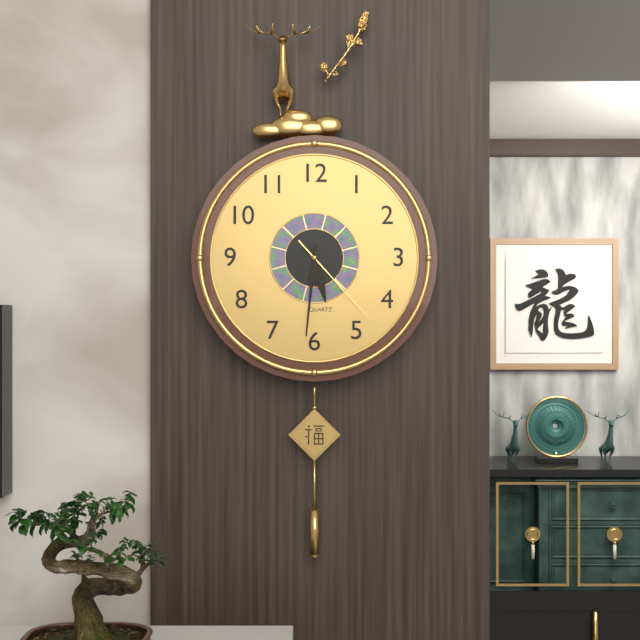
5.31.23
